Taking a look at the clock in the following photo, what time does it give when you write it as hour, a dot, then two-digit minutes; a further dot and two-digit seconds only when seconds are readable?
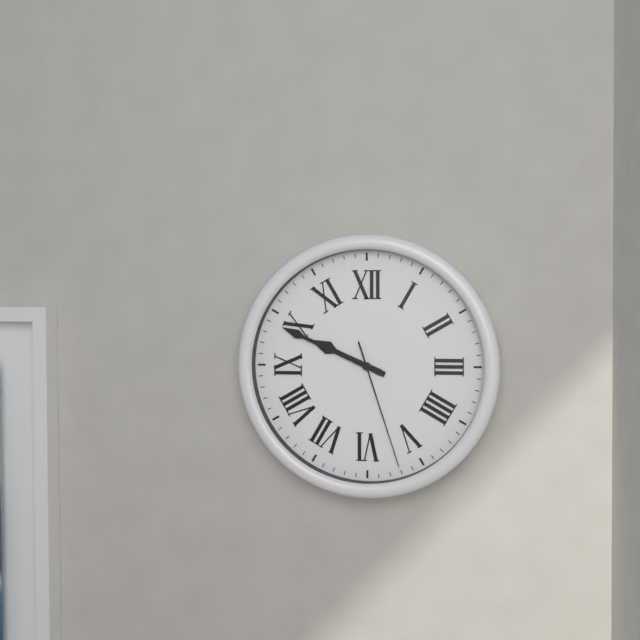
9.49.27
